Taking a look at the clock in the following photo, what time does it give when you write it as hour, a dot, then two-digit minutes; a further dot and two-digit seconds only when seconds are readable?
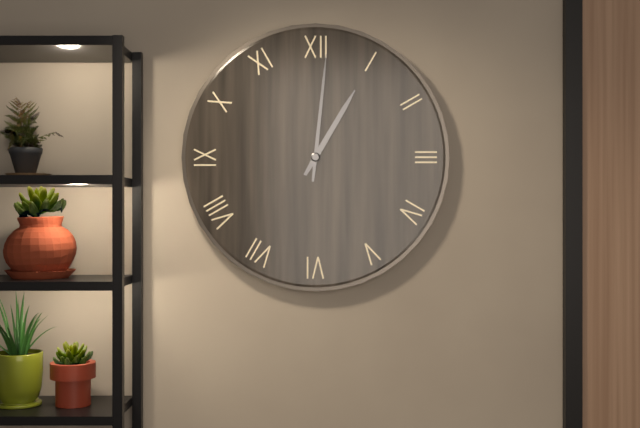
1.01
